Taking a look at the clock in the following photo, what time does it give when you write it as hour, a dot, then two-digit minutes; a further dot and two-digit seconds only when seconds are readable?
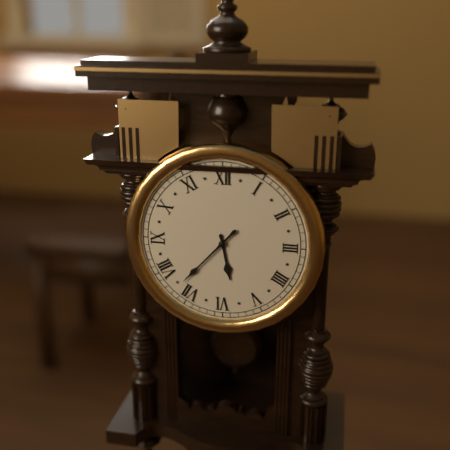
5.37
